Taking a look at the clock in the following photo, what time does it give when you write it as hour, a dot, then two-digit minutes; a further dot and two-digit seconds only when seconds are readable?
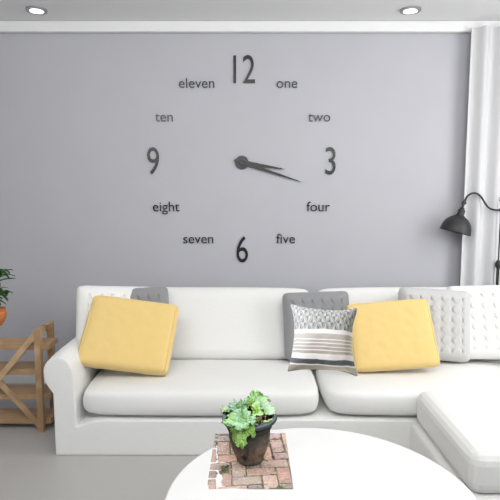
3.18
